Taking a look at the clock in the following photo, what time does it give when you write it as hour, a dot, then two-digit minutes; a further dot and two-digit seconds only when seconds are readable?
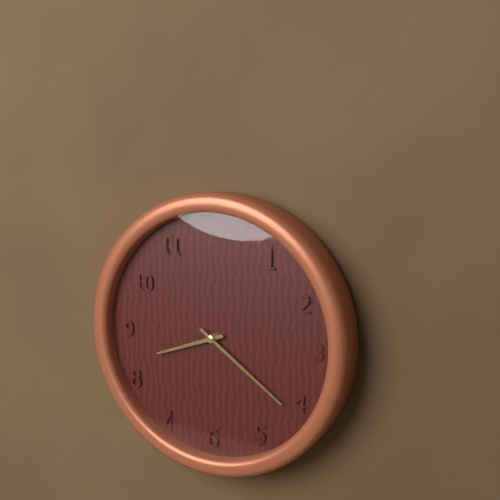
8.21
